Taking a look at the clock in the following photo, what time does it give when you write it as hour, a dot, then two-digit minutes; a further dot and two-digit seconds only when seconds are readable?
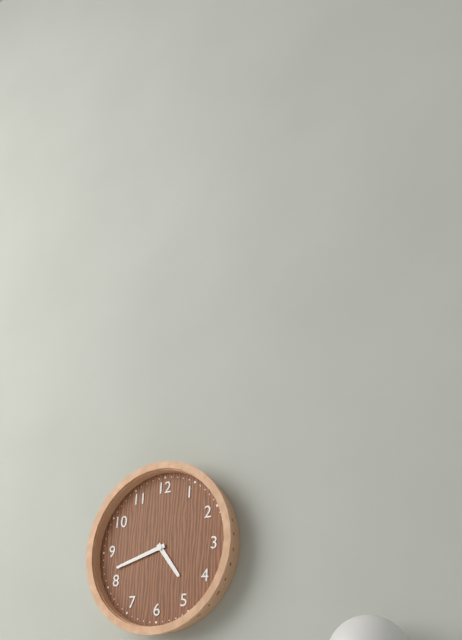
4.42
